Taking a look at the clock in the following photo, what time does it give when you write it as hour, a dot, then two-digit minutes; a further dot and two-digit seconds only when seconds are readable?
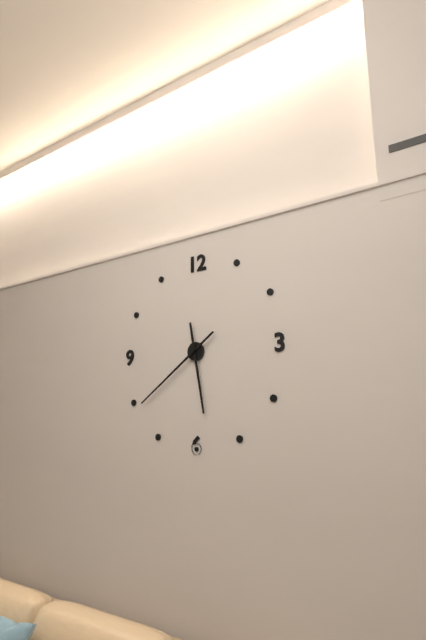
5.39
